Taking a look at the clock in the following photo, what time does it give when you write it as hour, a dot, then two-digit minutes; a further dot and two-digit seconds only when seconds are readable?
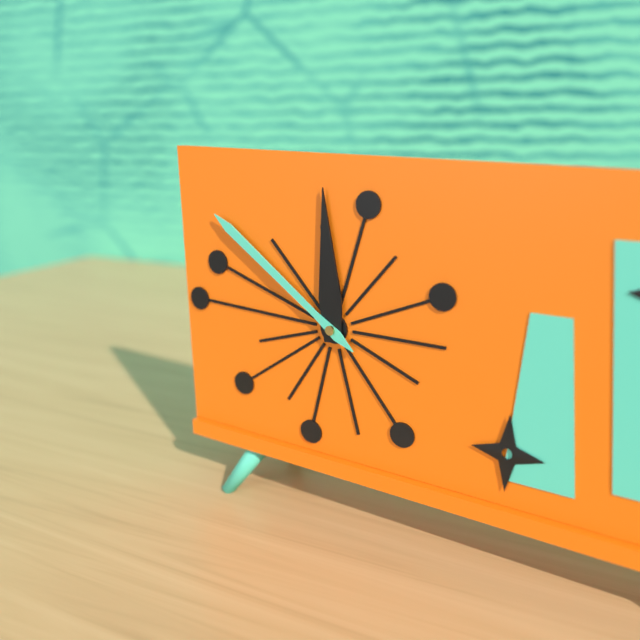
11.51
